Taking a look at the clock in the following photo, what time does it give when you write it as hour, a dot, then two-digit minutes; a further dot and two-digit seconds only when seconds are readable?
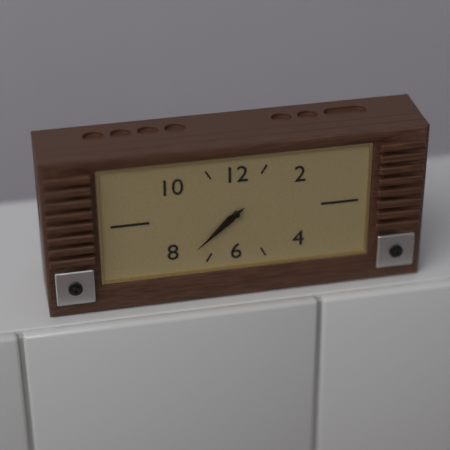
7.38
